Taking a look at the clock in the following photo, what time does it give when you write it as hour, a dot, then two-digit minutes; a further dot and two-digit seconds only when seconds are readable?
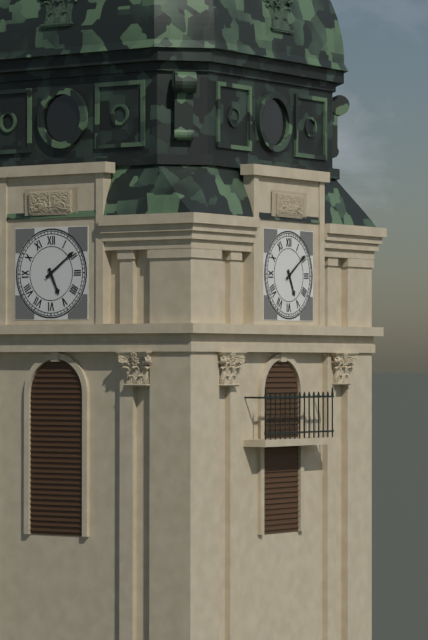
5.09
